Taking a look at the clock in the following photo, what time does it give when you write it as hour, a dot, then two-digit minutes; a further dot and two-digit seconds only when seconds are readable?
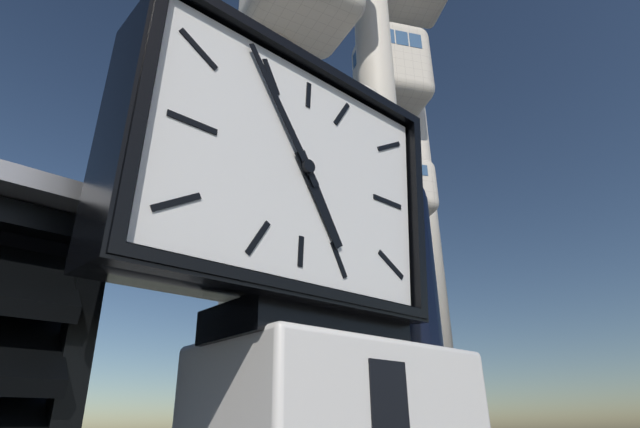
4.54
